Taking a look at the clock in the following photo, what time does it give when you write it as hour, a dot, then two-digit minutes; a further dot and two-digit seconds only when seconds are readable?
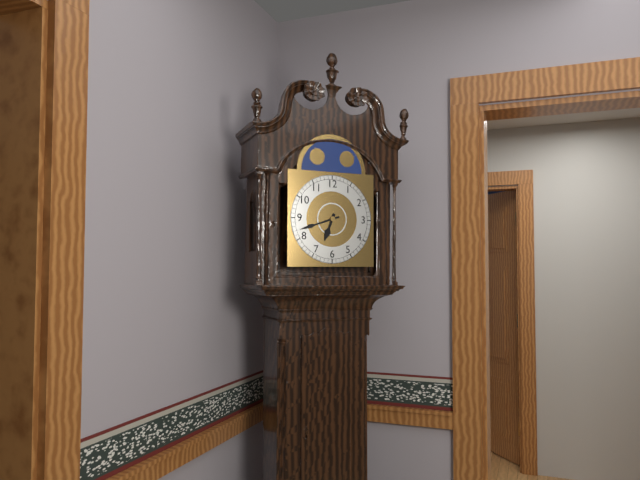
6.42
